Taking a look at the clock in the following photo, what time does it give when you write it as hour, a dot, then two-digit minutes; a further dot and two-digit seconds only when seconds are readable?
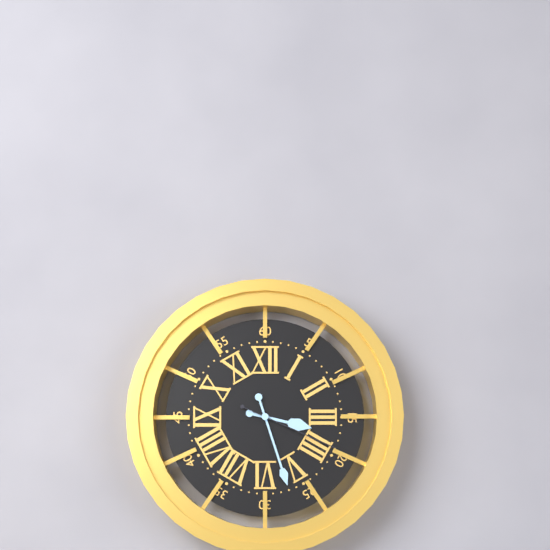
3.27.19
